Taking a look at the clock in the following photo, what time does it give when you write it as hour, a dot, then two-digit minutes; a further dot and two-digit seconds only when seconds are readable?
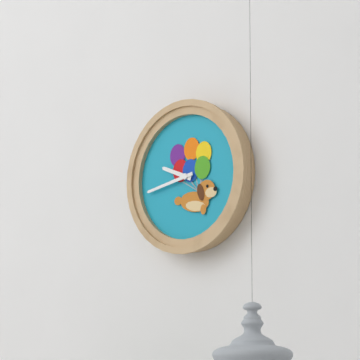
9.43
